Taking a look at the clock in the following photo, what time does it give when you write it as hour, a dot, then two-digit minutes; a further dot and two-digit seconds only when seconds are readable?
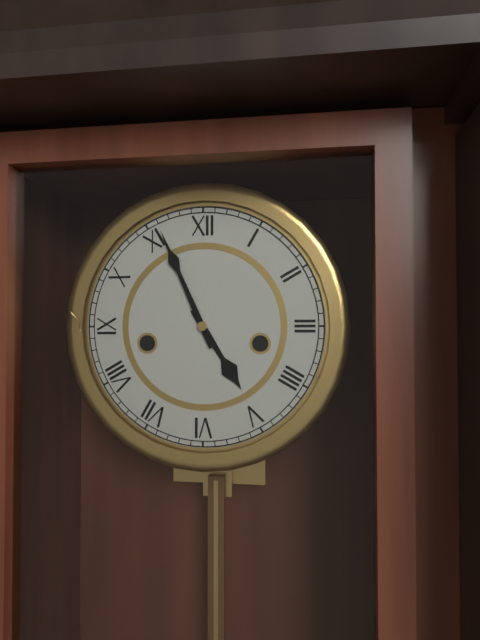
4.56
